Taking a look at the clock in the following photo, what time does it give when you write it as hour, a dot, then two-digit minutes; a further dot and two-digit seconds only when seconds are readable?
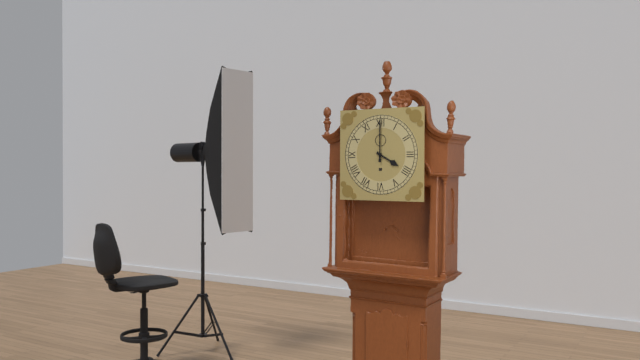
4.00
